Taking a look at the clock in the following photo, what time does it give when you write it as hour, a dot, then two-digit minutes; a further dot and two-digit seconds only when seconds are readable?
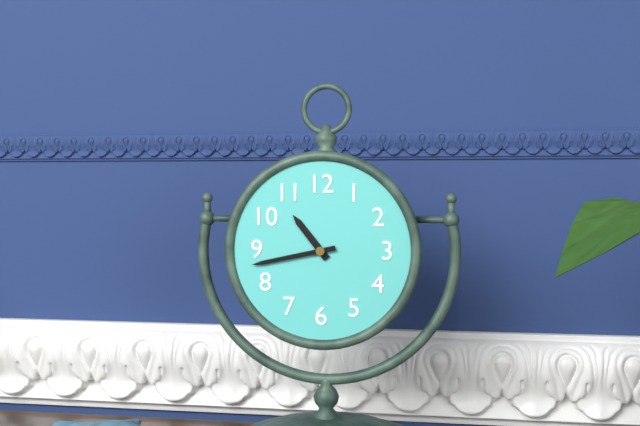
10.43
